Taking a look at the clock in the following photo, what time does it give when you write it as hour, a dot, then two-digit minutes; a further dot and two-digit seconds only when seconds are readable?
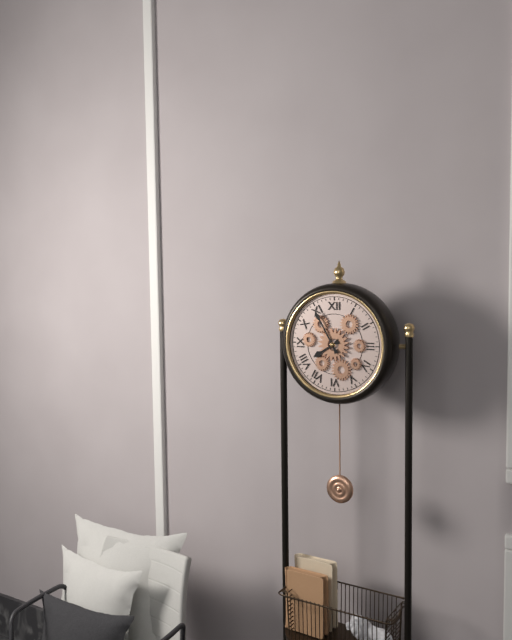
7.55
